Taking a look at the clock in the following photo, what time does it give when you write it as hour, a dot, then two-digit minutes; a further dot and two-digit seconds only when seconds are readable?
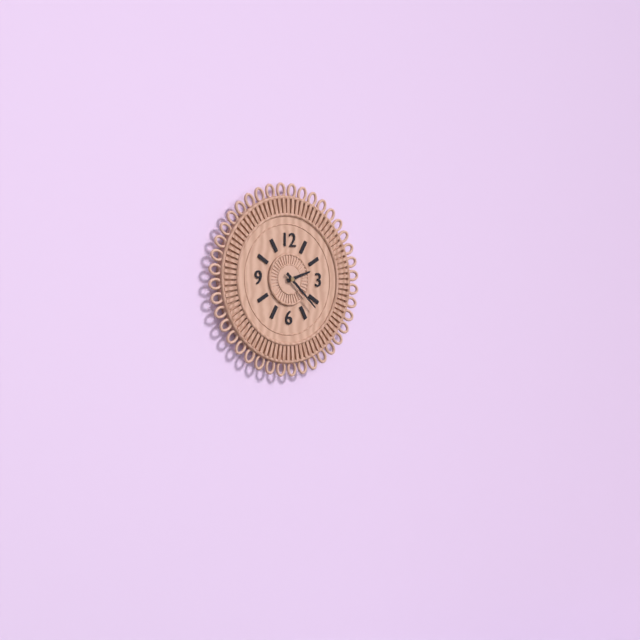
2.22
